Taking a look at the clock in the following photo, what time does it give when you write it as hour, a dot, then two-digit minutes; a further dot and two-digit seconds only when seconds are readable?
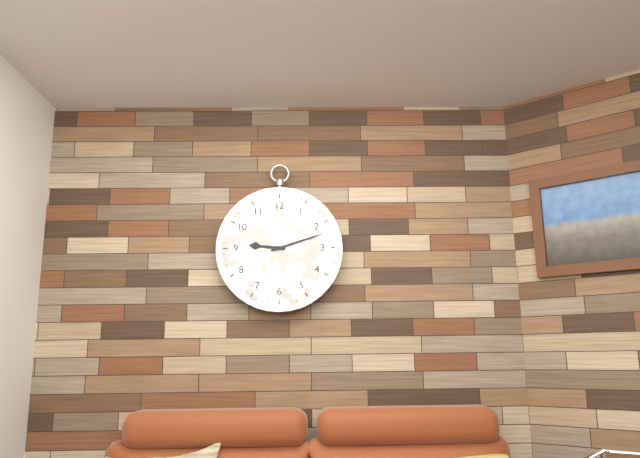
9.12
